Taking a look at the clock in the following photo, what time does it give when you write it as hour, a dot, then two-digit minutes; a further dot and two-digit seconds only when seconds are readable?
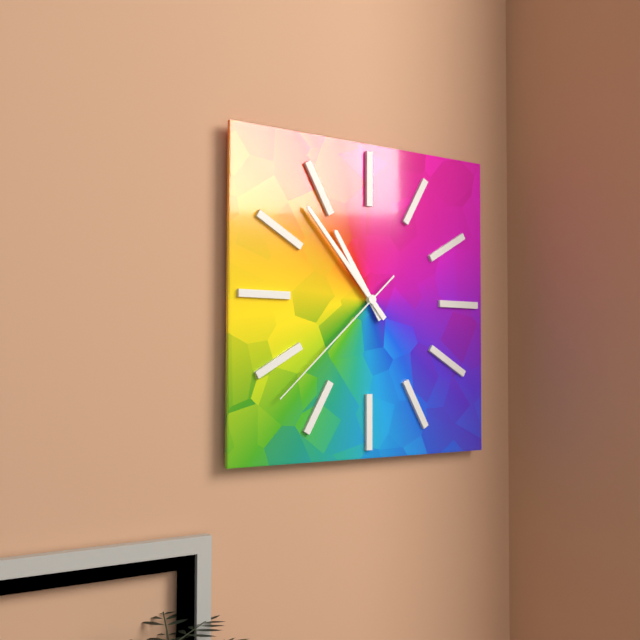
10.53.38
